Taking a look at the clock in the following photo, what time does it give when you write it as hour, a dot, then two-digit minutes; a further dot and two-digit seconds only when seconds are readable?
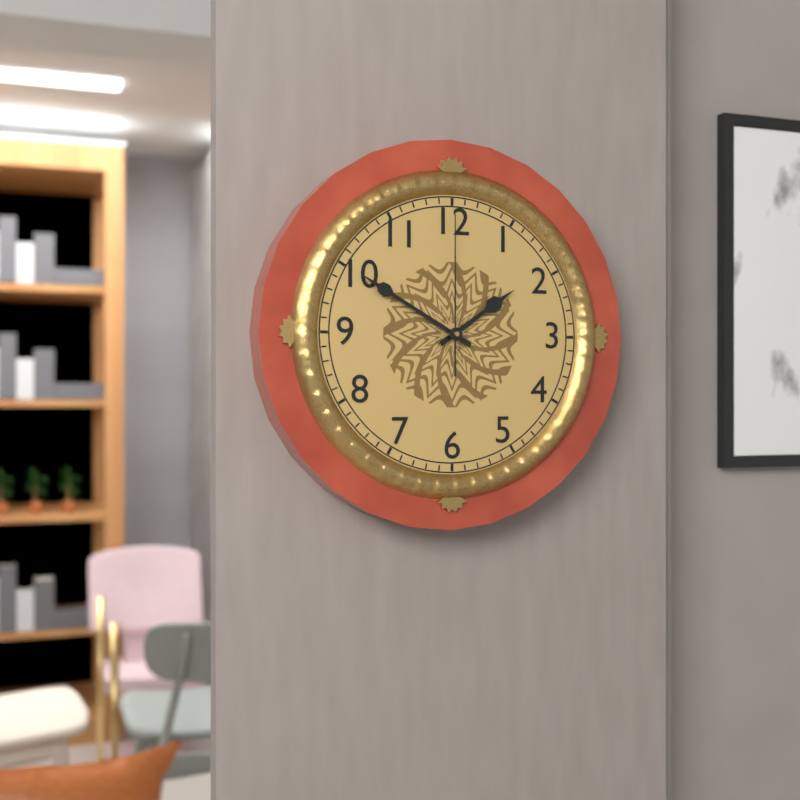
1.50.00
